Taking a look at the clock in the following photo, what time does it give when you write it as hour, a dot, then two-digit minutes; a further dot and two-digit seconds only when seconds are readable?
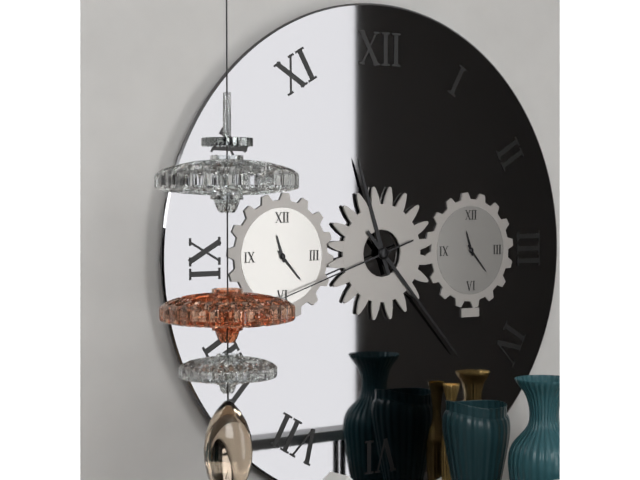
11.23.42
